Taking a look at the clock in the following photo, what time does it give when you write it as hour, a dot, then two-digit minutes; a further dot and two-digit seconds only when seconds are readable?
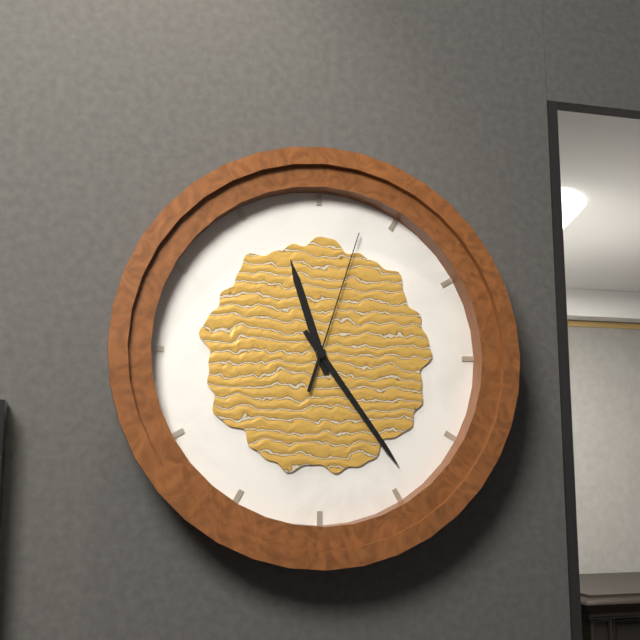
11.24.03
